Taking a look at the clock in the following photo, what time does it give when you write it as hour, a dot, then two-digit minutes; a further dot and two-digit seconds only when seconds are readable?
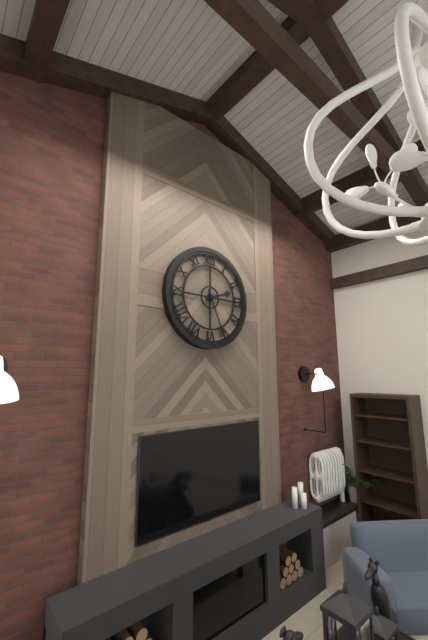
2.26
